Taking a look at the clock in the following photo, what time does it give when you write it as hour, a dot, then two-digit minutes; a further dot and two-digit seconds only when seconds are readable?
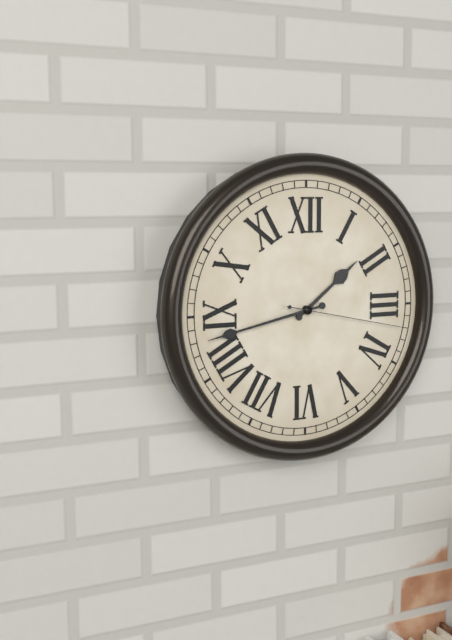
1.43.17
